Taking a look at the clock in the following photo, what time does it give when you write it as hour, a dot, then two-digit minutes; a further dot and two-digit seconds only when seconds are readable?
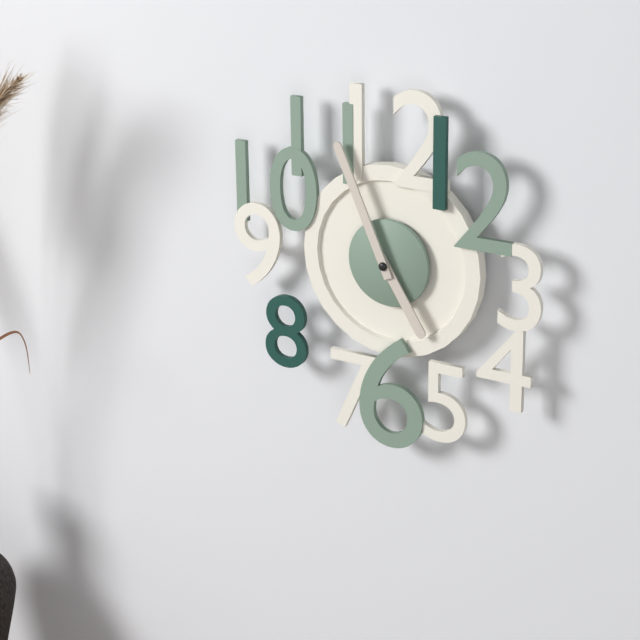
4.56
